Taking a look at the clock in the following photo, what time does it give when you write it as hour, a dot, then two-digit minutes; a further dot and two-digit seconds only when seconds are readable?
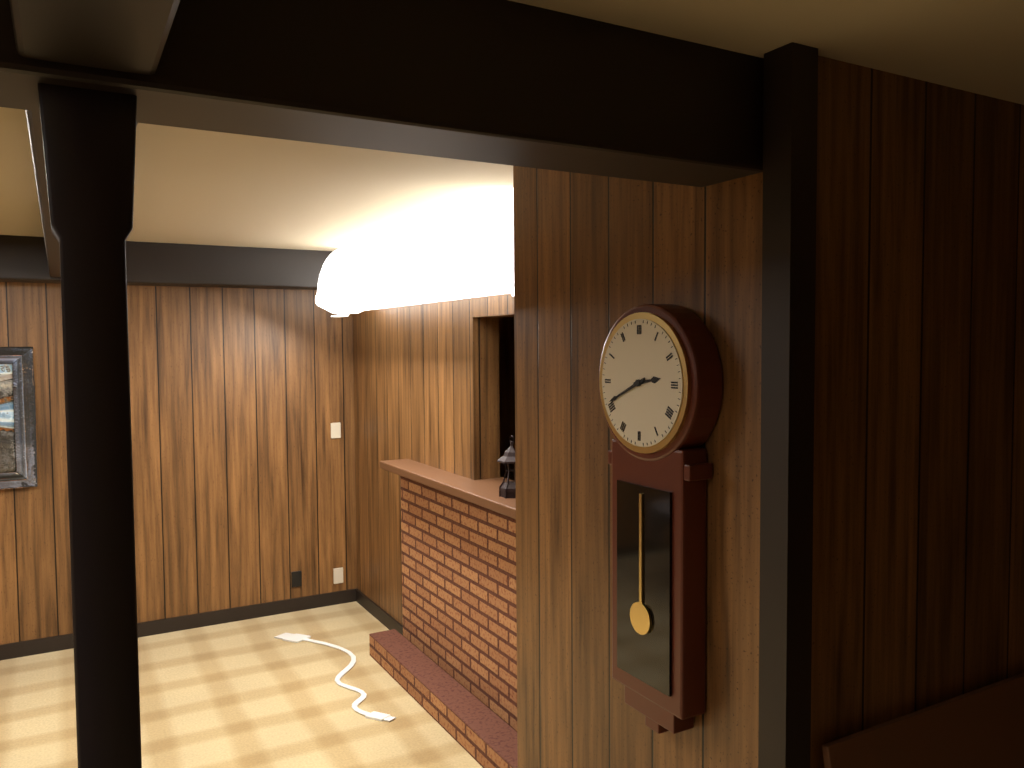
2.41
